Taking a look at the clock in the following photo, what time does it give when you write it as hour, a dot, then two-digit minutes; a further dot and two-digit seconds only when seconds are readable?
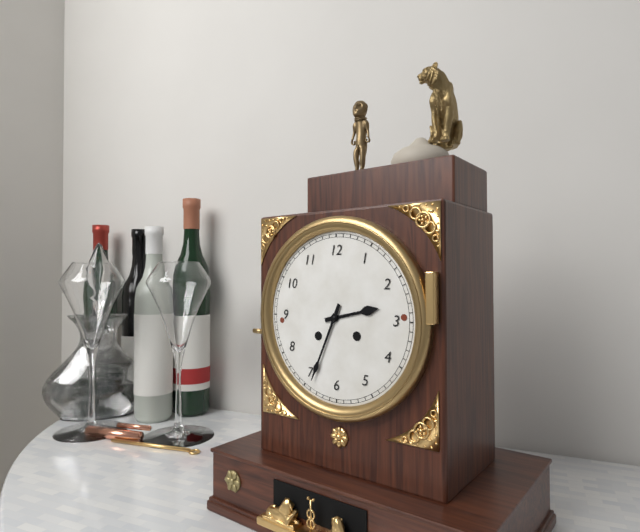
2.34
